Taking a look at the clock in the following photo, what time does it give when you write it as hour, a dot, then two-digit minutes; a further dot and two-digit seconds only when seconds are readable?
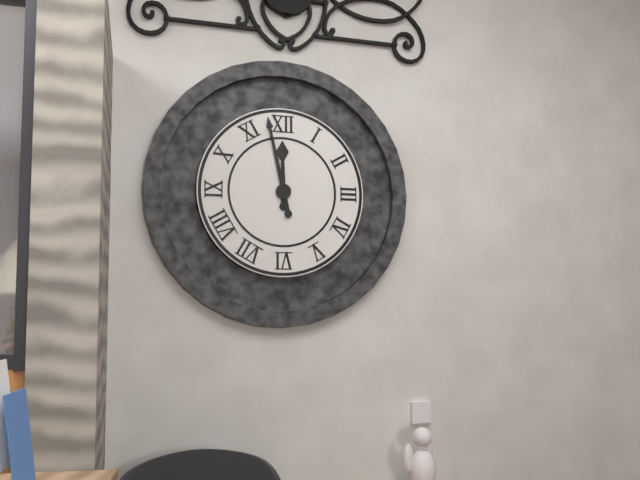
11.58
